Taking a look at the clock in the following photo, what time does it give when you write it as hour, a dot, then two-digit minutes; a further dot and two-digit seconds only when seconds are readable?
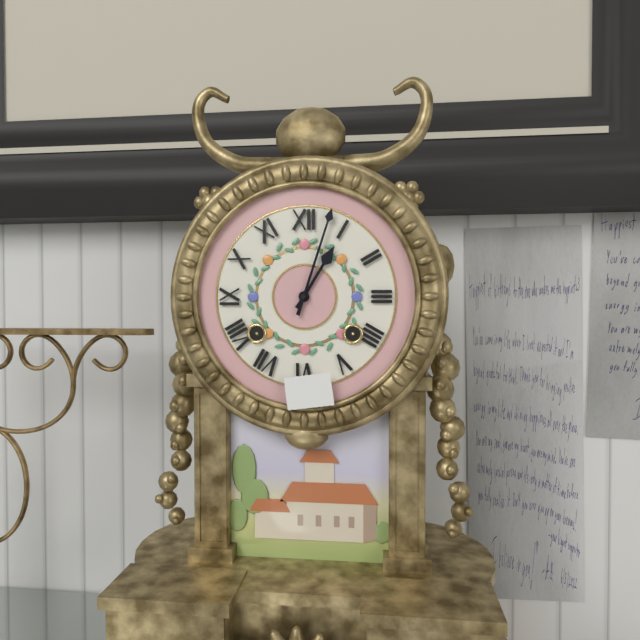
1.03
